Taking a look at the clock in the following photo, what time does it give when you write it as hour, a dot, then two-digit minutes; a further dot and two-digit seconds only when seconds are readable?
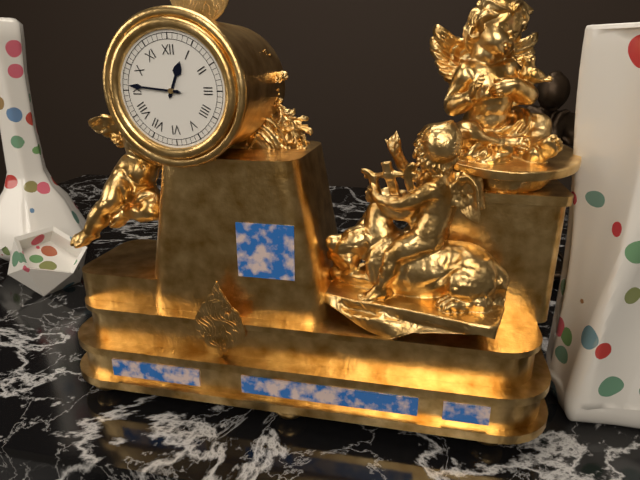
12.46
